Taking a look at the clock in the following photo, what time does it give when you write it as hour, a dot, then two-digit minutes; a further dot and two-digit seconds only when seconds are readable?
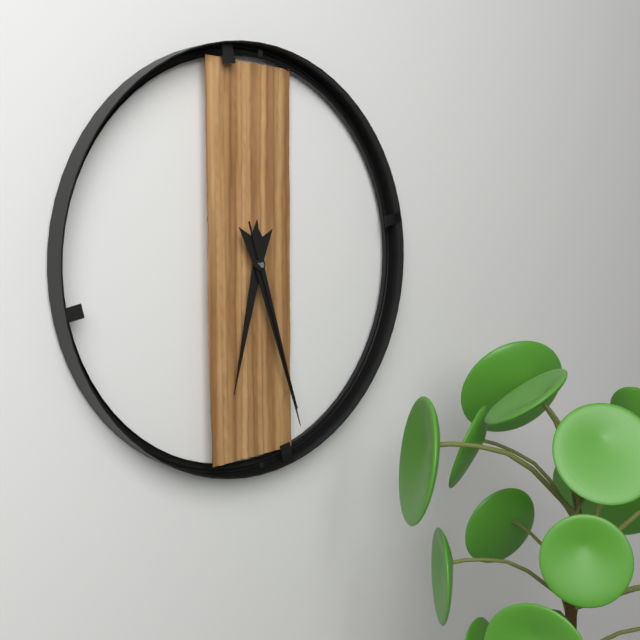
6.27.27
